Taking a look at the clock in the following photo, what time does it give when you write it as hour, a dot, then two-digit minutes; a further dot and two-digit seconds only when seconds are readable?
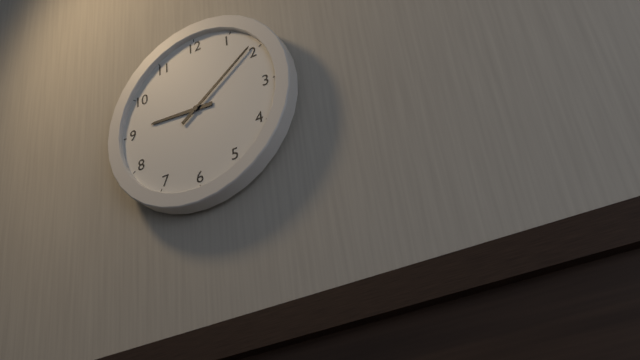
9.09
